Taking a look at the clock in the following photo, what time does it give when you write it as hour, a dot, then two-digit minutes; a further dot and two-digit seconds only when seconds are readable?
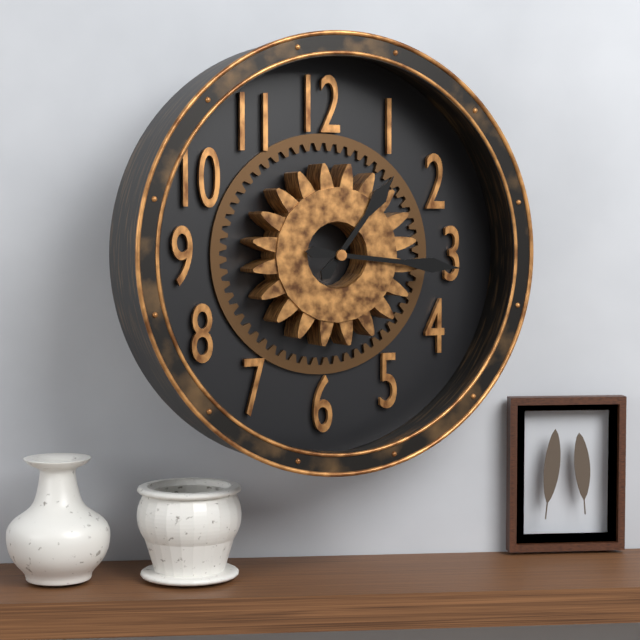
1.16
